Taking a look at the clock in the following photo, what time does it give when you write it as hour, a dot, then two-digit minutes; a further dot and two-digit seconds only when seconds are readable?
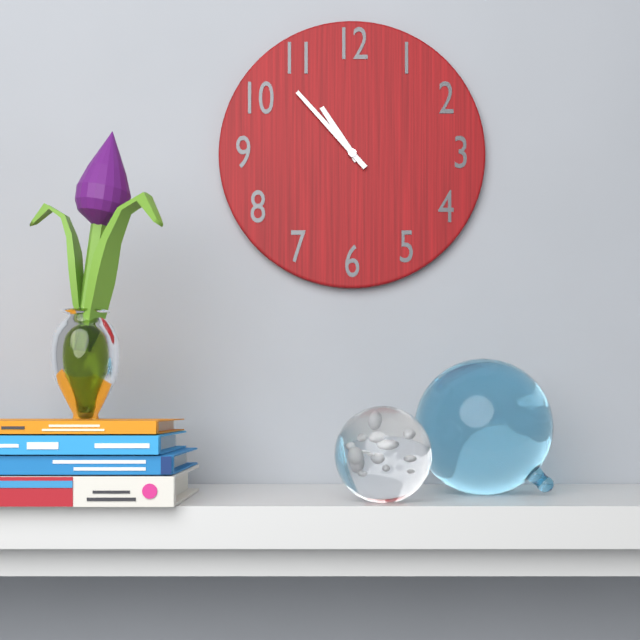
10.53
